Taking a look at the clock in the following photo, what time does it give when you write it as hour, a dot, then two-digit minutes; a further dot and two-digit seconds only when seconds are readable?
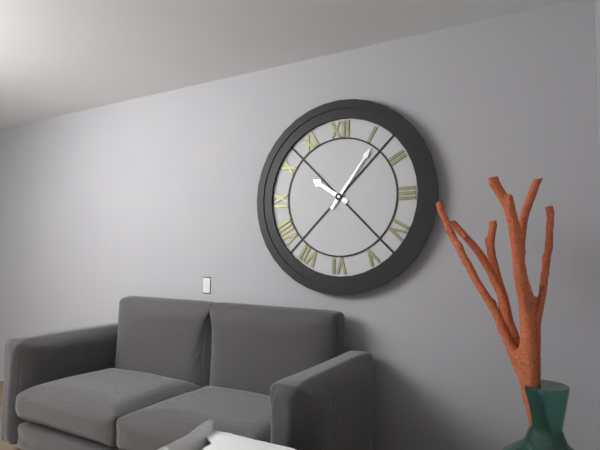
10.06
